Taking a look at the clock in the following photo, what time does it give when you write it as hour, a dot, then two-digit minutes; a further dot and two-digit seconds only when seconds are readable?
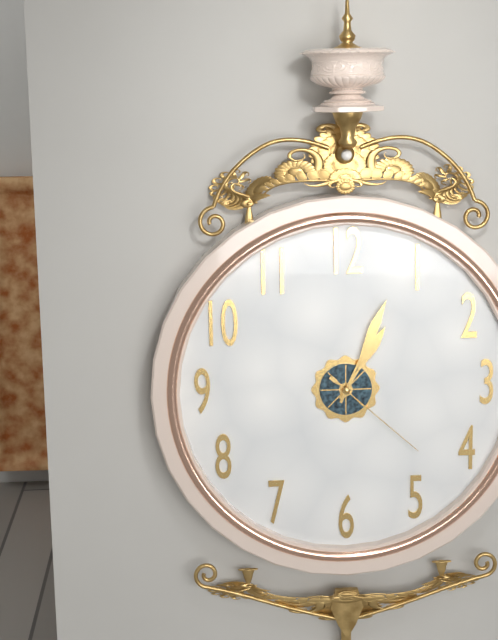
1.04.22
